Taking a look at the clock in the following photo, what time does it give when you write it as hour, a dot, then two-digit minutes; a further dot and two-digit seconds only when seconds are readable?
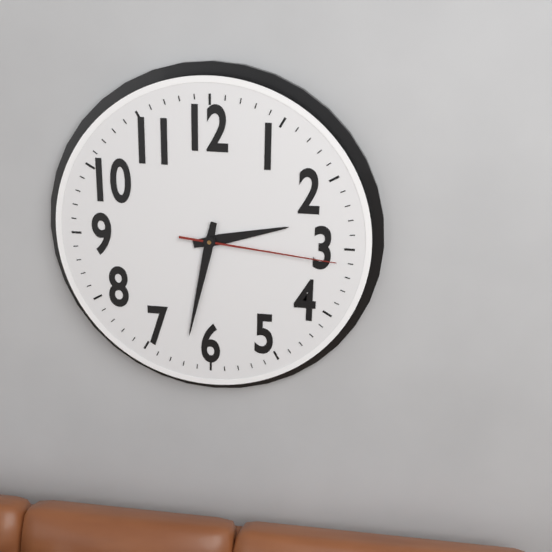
2.32.16
